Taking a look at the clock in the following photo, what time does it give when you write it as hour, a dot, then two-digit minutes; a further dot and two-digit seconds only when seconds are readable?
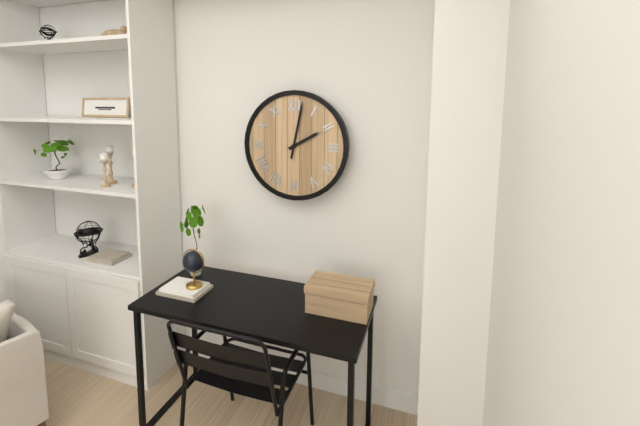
2.02
